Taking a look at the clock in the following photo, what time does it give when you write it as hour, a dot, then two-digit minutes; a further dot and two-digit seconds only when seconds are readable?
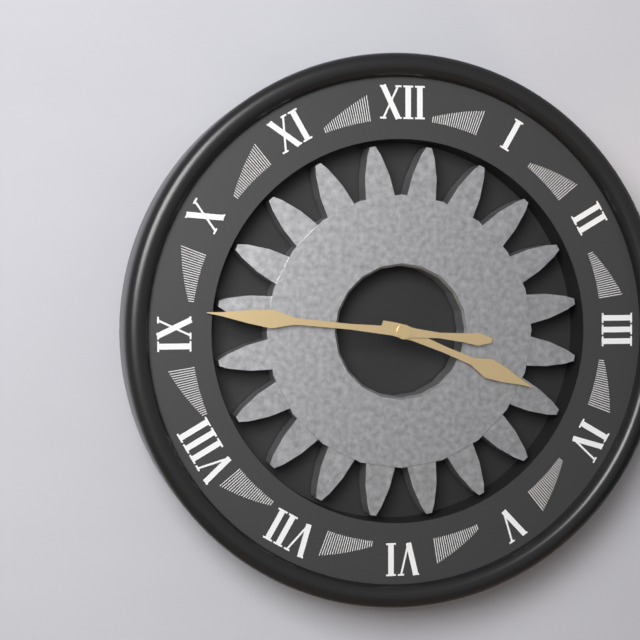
3.46
